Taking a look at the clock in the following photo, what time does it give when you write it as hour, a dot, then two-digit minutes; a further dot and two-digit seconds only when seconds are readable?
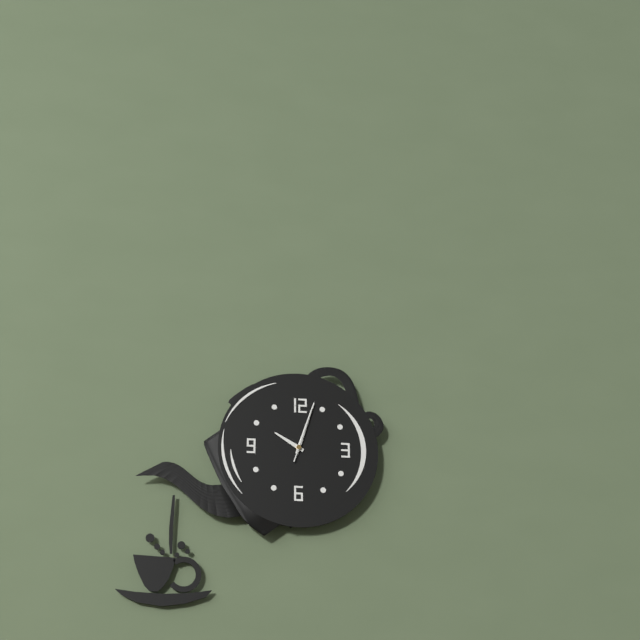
10.03.03
